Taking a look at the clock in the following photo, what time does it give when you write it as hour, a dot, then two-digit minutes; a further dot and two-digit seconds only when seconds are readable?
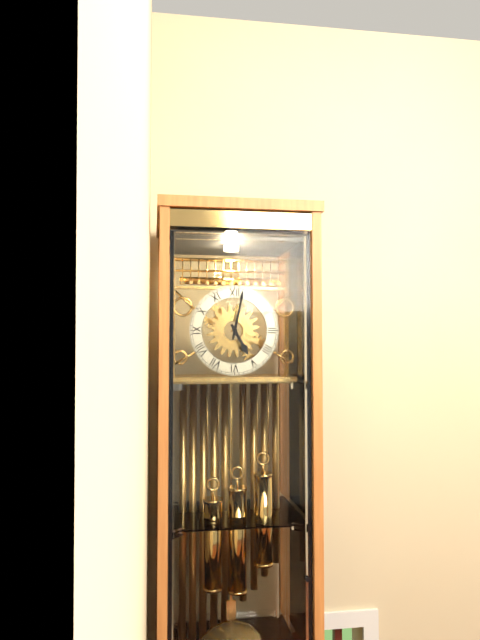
5.02
